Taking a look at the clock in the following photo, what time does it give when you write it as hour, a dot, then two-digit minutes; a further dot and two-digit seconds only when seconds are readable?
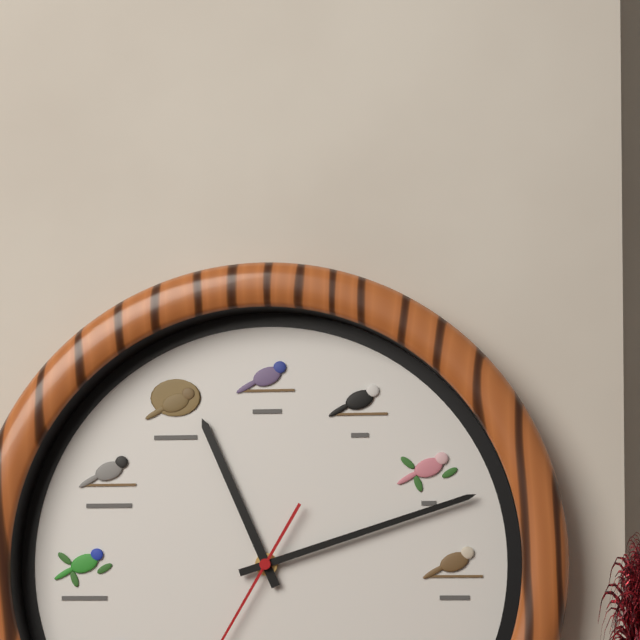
11.12
